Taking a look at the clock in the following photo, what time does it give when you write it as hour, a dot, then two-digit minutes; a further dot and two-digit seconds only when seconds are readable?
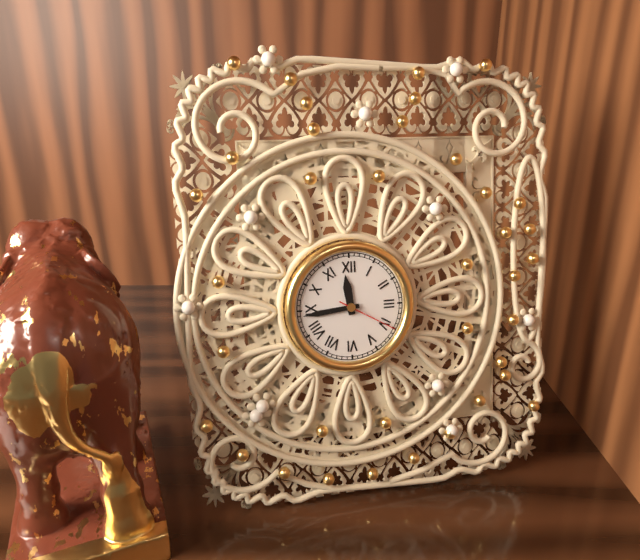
11.44.20
